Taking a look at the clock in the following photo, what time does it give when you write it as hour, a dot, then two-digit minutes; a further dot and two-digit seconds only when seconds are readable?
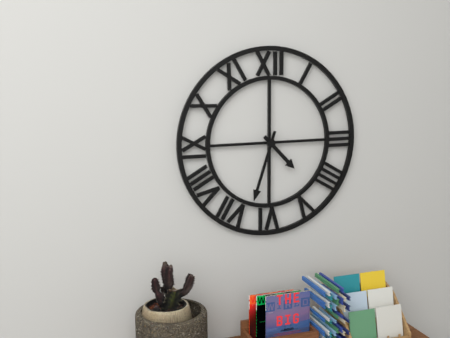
4.33
